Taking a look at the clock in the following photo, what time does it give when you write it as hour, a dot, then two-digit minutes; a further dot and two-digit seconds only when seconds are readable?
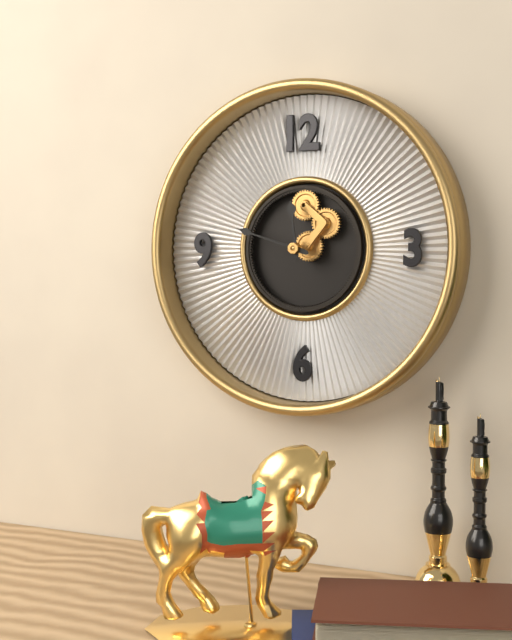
11.48
